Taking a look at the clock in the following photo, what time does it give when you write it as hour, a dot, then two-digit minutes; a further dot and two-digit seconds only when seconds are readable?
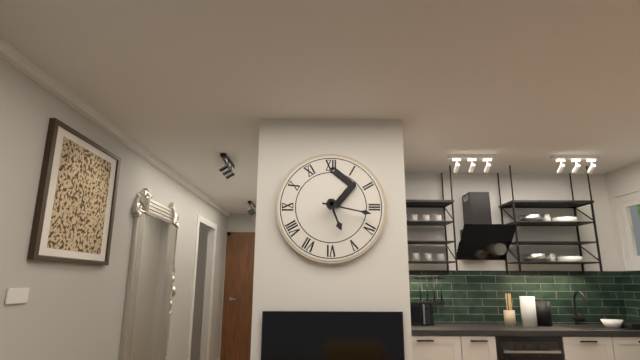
5.17
